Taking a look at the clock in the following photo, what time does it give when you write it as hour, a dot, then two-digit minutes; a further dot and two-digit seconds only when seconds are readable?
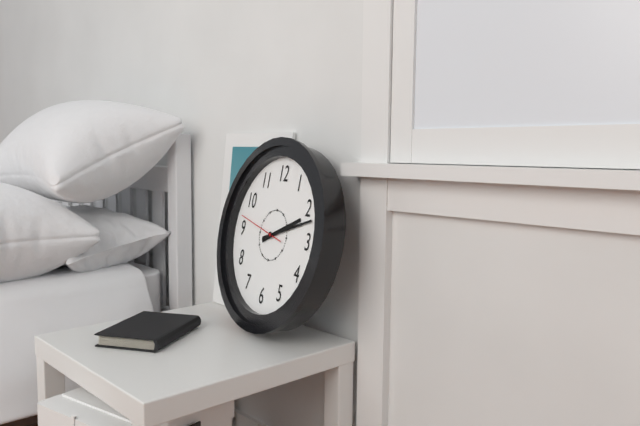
2.12
